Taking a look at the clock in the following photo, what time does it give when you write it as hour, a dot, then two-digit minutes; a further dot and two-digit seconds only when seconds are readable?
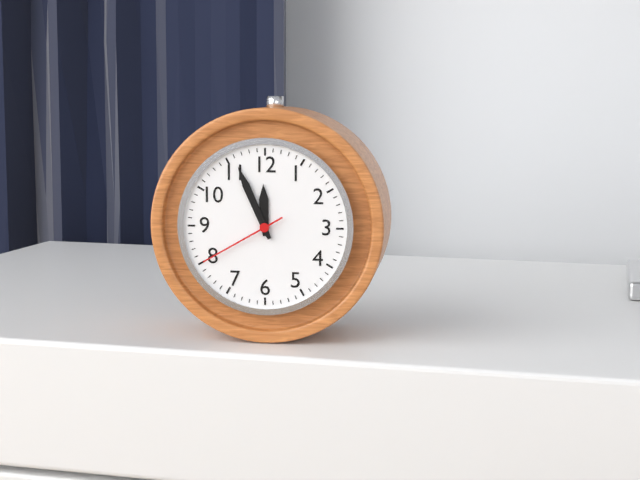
11.56.40
